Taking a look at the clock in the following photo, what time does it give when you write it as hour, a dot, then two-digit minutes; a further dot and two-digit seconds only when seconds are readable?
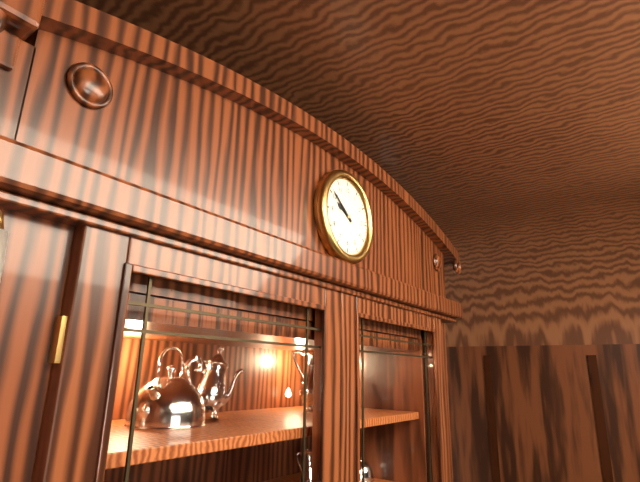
9.51
